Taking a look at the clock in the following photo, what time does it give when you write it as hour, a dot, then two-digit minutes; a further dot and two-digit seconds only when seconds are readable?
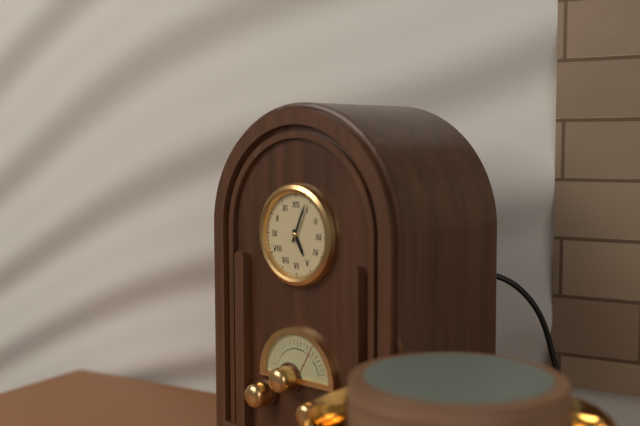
5.04
